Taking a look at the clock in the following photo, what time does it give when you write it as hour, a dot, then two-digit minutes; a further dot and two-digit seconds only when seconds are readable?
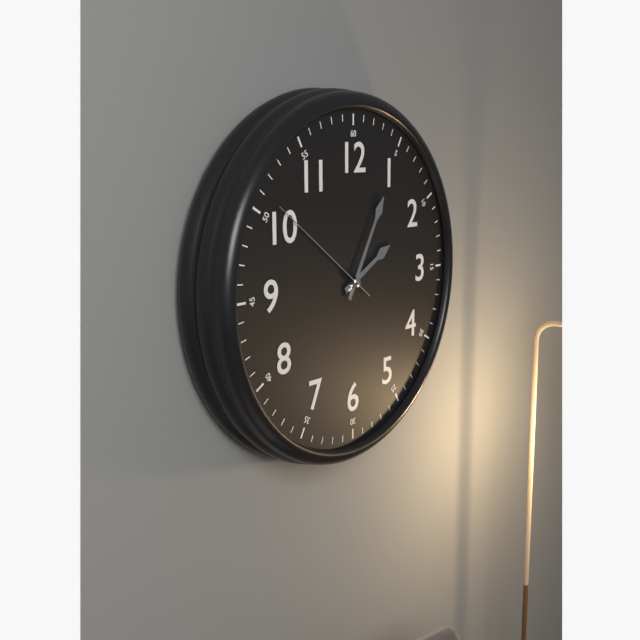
2.05.51
